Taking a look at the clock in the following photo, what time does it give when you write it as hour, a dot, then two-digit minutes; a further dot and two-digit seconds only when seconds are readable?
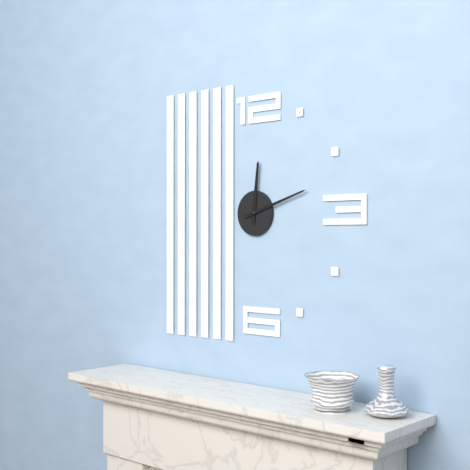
12.12
